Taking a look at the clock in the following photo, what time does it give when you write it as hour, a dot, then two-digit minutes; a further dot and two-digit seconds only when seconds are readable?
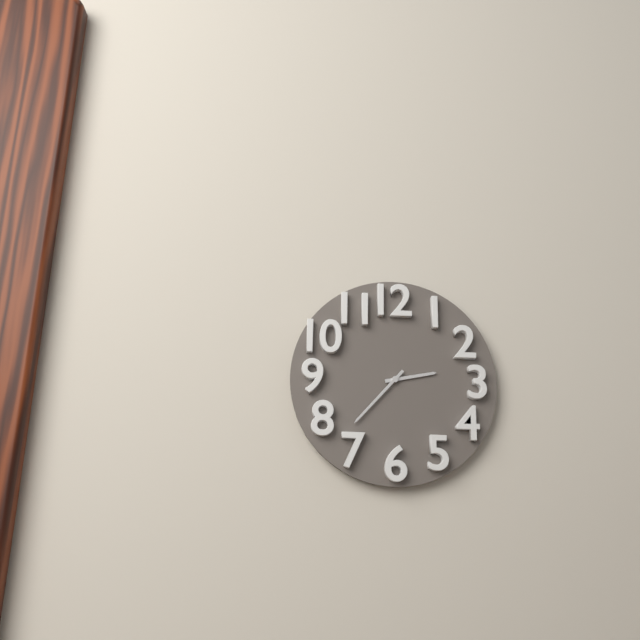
2.37
